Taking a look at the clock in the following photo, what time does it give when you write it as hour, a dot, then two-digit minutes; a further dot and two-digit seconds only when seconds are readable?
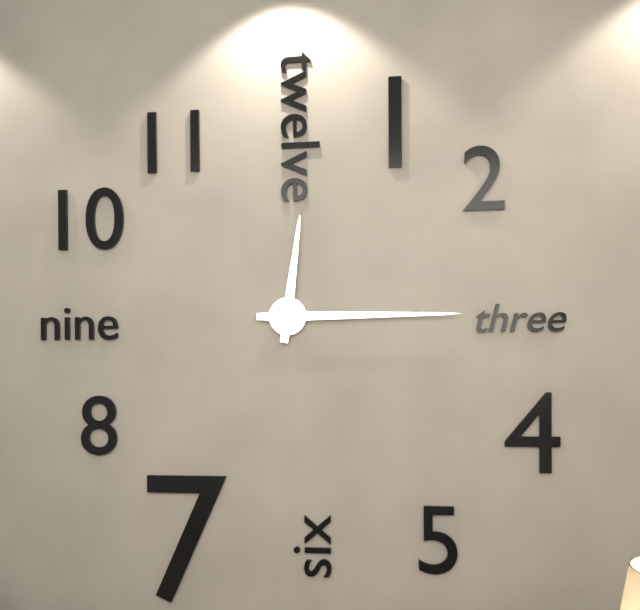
12.15
